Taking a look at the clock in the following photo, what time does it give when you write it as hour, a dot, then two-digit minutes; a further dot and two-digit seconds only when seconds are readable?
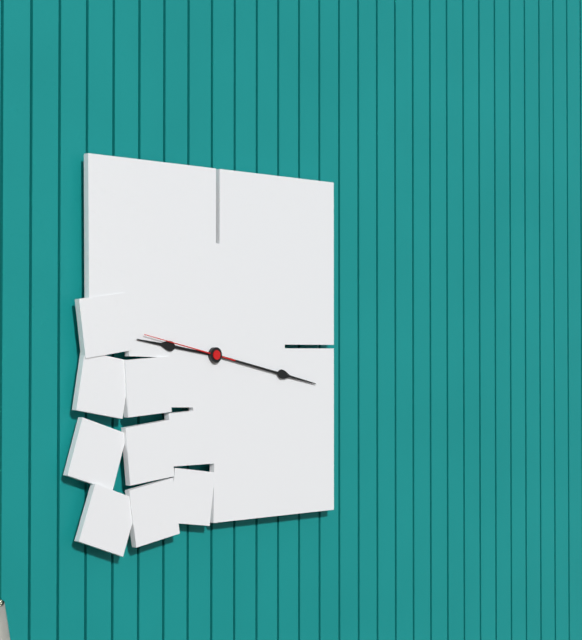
9.17.47
